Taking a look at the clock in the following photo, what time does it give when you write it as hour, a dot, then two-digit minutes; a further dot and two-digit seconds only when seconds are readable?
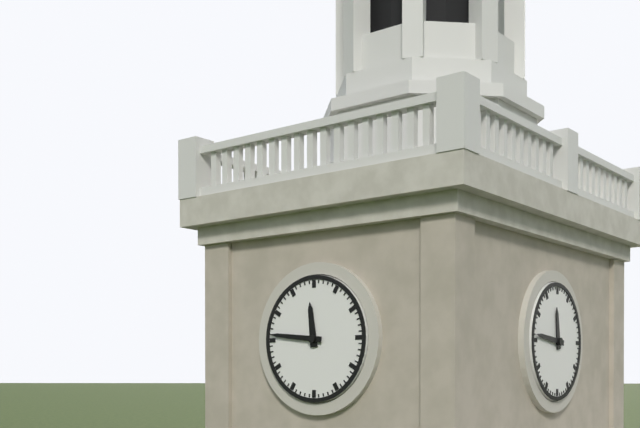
11.46
